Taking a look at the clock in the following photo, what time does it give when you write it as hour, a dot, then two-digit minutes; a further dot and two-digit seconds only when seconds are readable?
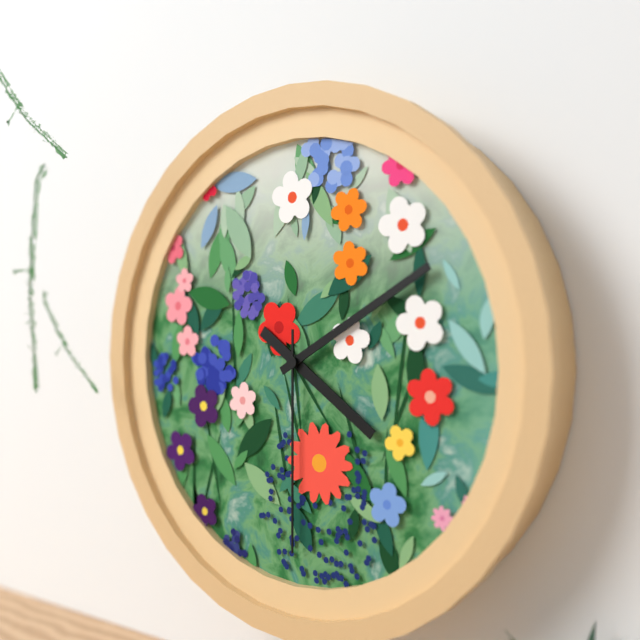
4.10.30
